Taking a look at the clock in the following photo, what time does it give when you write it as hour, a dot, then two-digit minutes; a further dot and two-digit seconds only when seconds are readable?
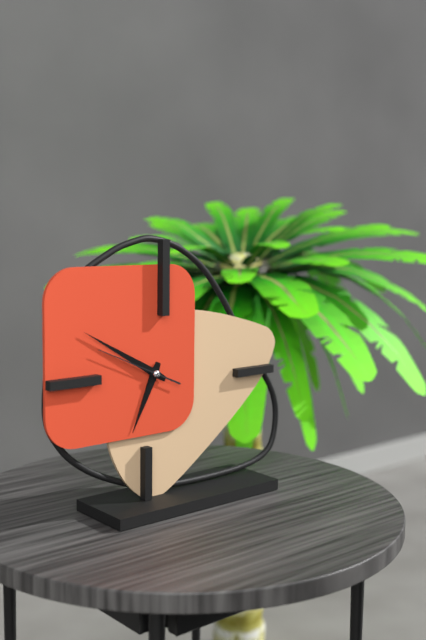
6.50.49
